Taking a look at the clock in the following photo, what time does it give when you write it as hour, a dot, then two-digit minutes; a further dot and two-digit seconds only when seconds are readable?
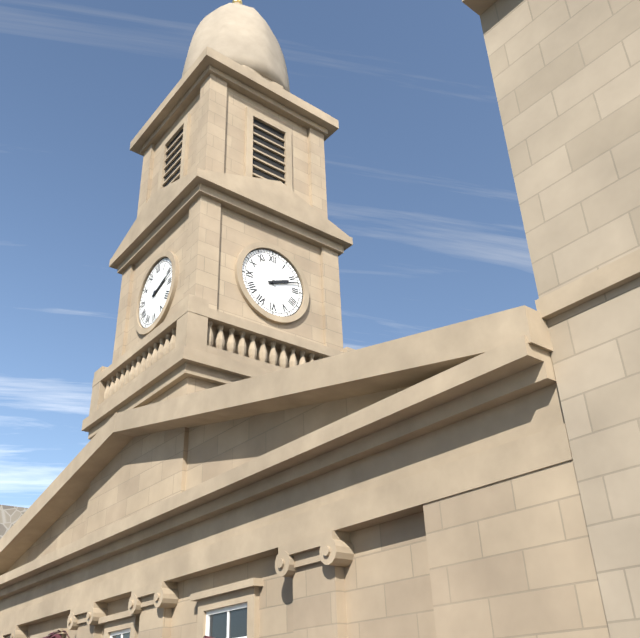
2.12
